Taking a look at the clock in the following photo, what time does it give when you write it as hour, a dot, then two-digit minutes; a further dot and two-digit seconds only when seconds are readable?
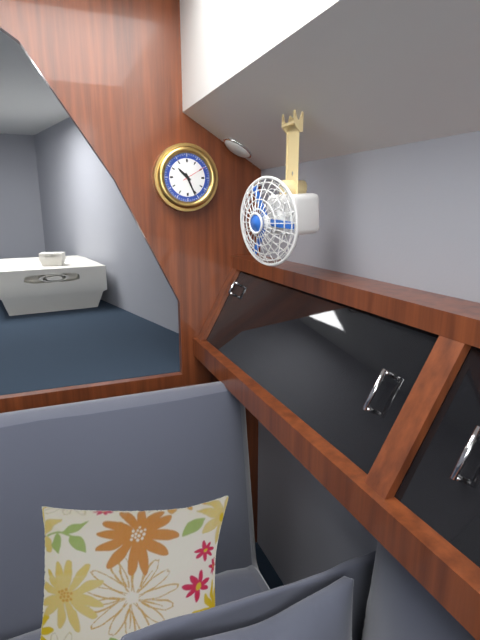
10.26
